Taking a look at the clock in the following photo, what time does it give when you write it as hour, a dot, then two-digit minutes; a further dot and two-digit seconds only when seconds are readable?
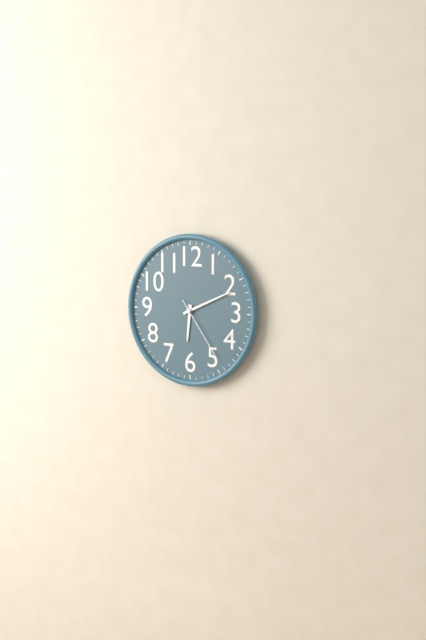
6.11.24
